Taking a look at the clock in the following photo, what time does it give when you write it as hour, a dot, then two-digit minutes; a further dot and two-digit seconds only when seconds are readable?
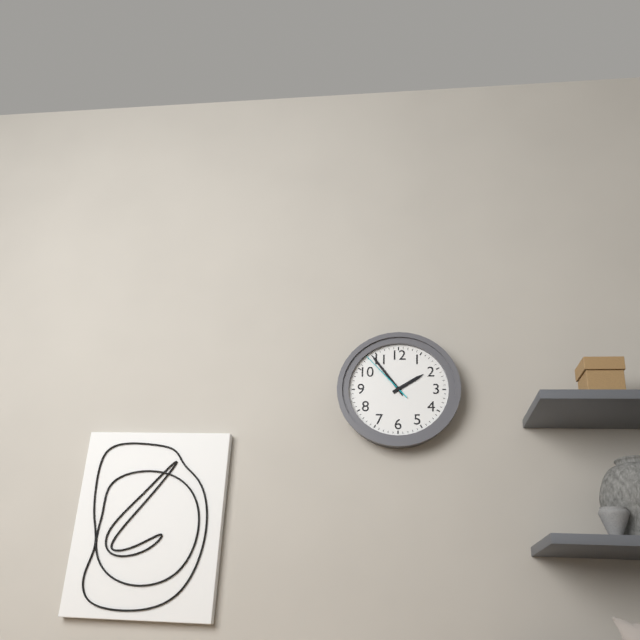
1.54.53
